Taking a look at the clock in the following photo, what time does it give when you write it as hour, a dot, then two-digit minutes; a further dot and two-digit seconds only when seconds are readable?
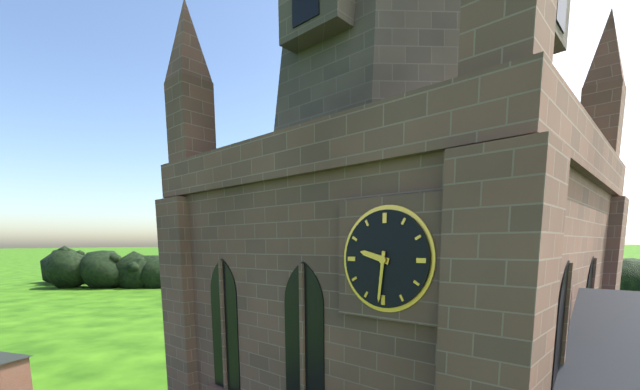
9.31
